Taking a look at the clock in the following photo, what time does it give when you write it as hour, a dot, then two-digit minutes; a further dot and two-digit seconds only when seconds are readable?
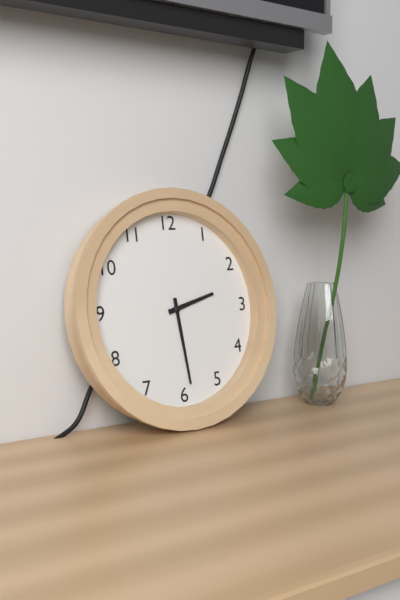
2.29
